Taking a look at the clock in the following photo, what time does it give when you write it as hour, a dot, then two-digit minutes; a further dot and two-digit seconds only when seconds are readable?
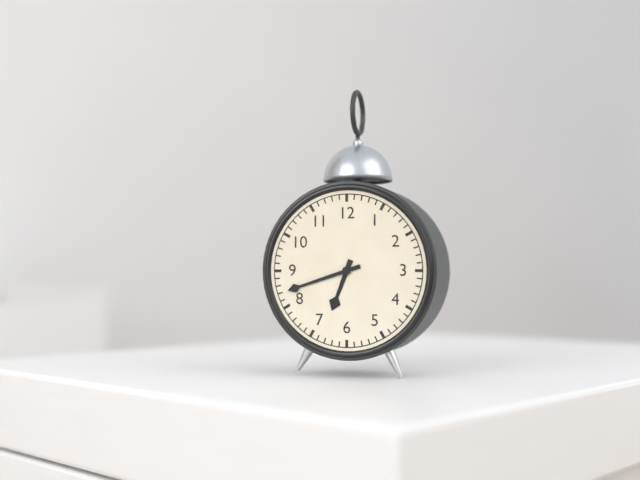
6.42
